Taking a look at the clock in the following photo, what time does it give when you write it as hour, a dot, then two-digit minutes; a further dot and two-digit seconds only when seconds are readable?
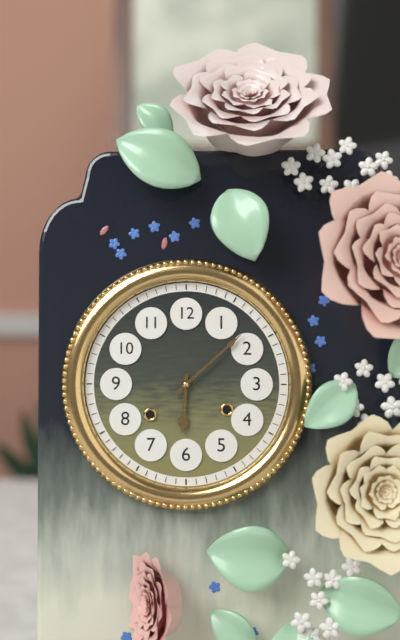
6.08
